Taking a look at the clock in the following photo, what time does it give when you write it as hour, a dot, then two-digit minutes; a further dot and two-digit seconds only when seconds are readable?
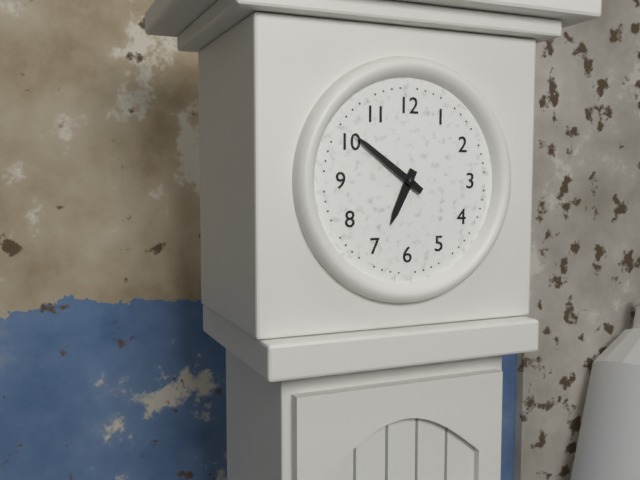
6.51
